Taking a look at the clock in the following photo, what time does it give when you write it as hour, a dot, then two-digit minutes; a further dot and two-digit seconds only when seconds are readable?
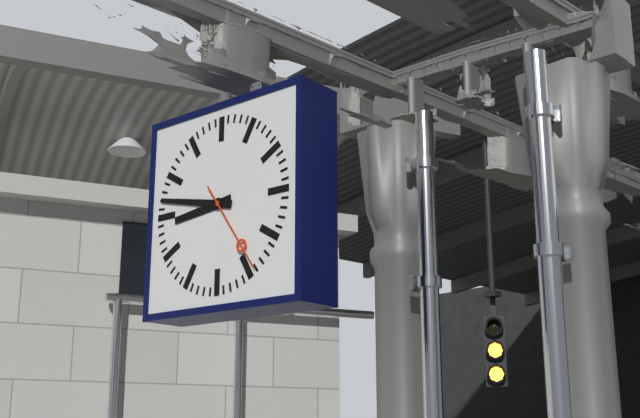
8.47.24
